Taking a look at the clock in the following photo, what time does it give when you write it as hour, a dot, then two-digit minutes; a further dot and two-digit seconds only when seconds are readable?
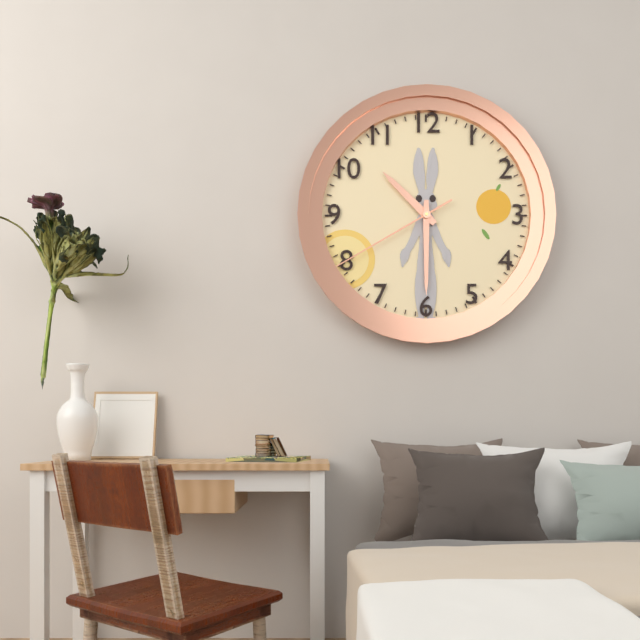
10.30.40
